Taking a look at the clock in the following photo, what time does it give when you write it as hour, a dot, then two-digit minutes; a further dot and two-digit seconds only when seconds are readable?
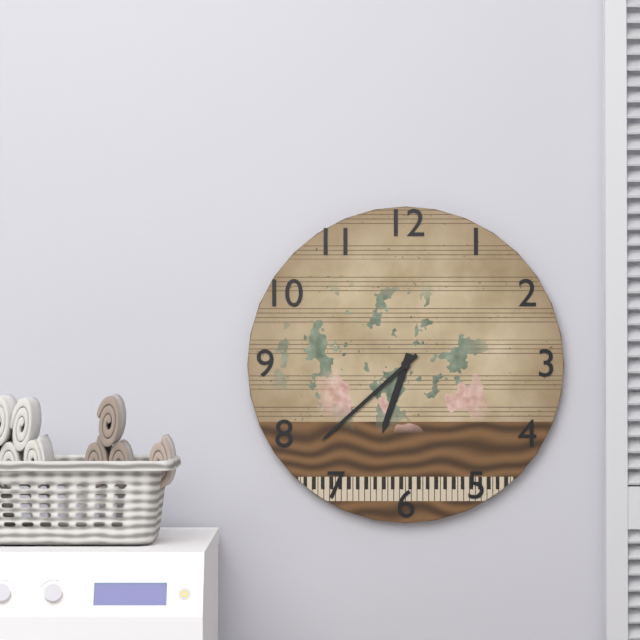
6.38
